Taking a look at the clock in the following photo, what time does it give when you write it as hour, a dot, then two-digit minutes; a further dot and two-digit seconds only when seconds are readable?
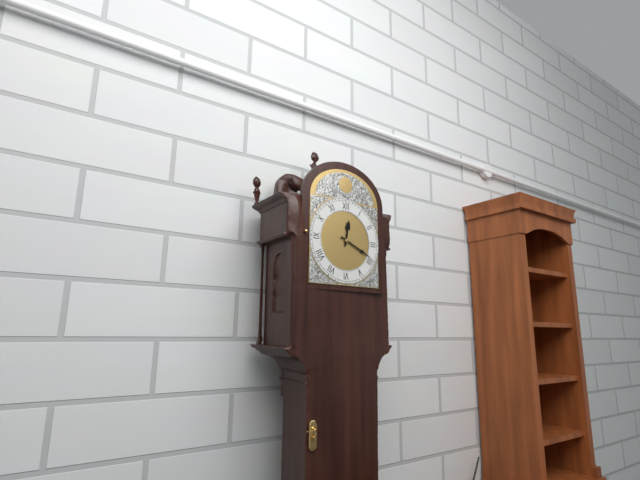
12.19
